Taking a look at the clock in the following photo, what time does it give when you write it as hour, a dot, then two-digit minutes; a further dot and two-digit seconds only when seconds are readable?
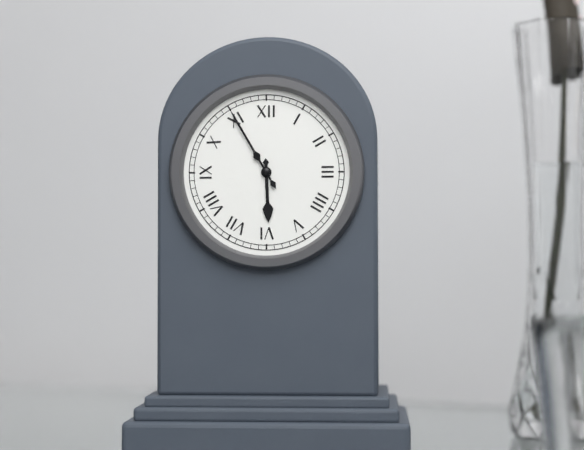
5.55
